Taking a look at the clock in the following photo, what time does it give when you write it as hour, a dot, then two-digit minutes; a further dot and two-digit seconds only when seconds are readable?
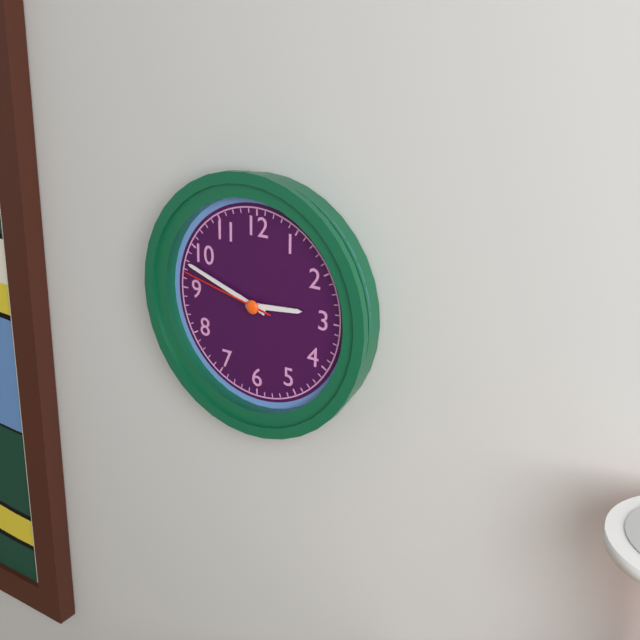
2.48.47
